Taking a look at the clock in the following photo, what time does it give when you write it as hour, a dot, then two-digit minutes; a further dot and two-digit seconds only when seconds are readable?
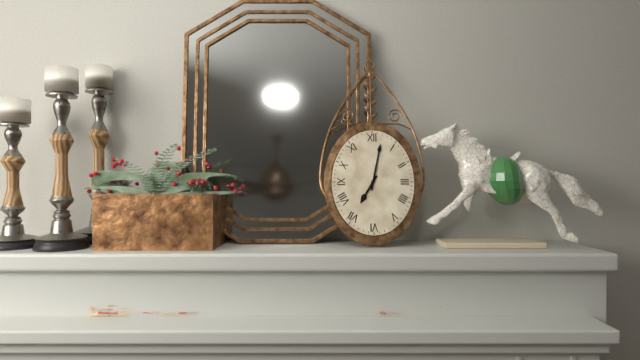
7.02
